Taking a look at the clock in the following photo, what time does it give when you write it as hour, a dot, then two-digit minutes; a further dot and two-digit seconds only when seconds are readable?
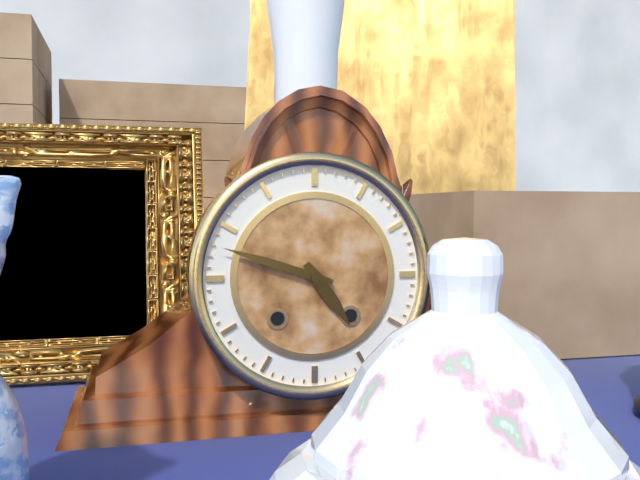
4.48
